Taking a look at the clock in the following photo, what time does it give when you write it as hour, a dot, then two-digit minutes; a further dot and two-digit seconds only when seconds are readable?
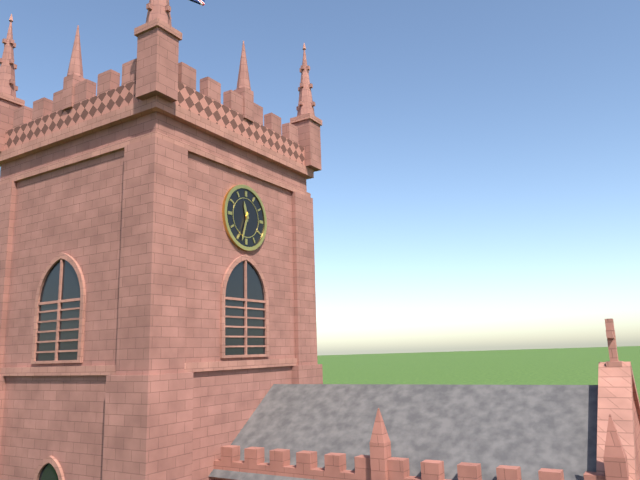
11.33
